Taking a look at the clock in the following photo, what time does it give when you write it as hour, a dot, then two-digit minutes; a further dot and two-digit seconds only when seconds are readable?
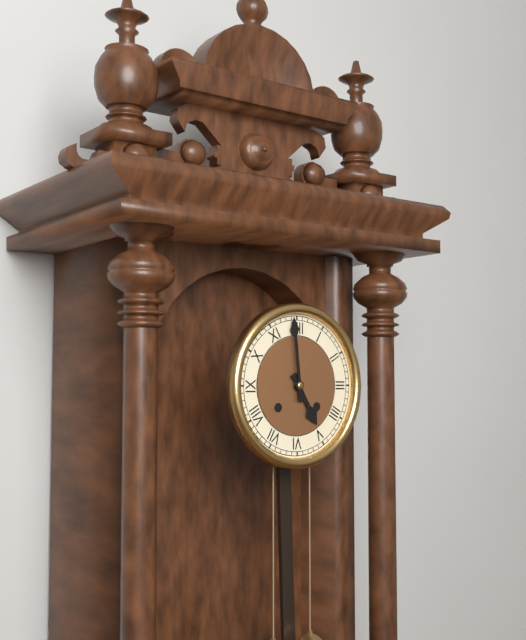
4.59
